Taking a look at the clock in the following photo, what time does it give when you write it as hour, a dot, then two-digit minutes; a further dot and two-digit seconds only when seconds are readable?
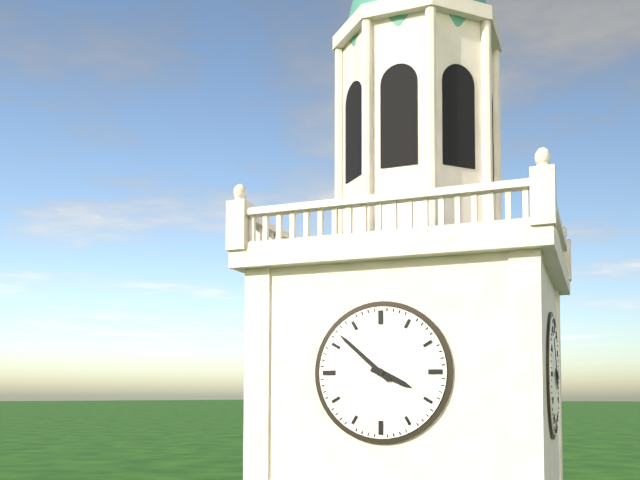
3.52
